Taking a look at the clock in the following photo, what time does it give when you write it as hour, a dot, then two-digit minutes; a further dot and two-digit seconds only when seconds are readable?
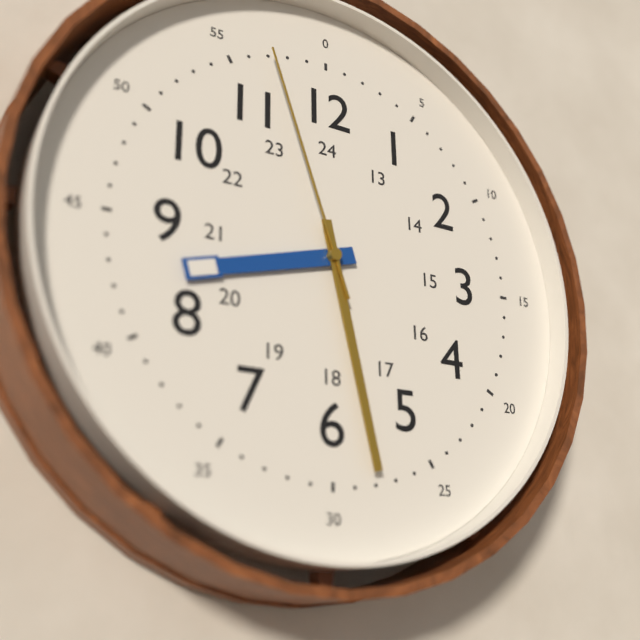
8.28.57
